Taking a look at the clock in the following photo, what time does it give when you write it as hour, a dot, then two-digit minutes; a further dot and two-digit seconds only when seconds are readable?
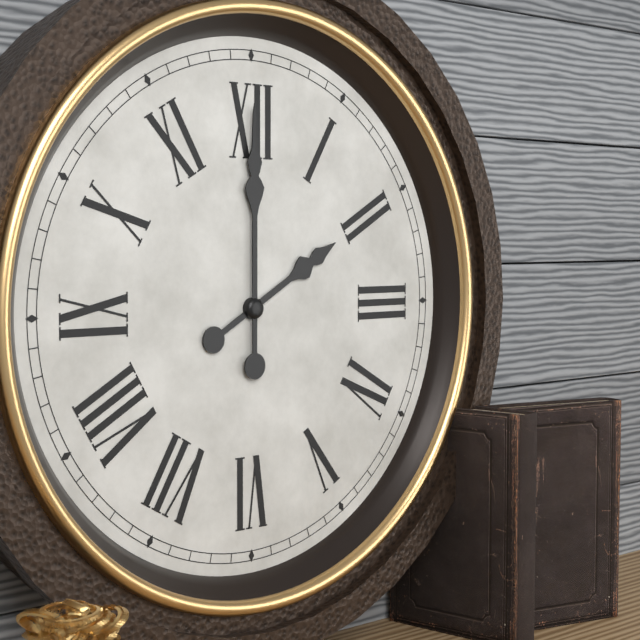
2.00
